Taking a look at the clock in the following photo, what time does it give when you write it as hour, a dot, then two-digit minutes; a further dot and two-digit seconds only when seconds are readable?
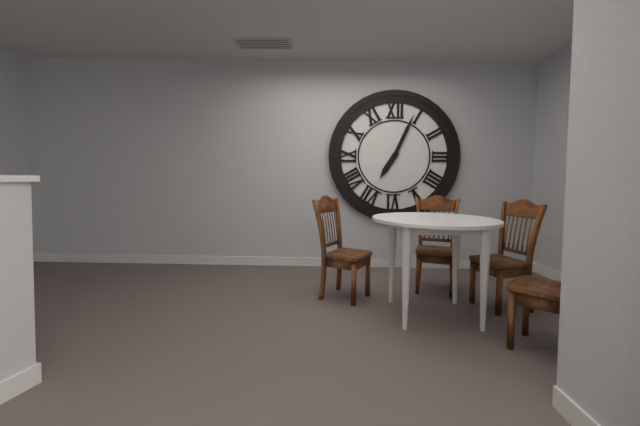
7.04
